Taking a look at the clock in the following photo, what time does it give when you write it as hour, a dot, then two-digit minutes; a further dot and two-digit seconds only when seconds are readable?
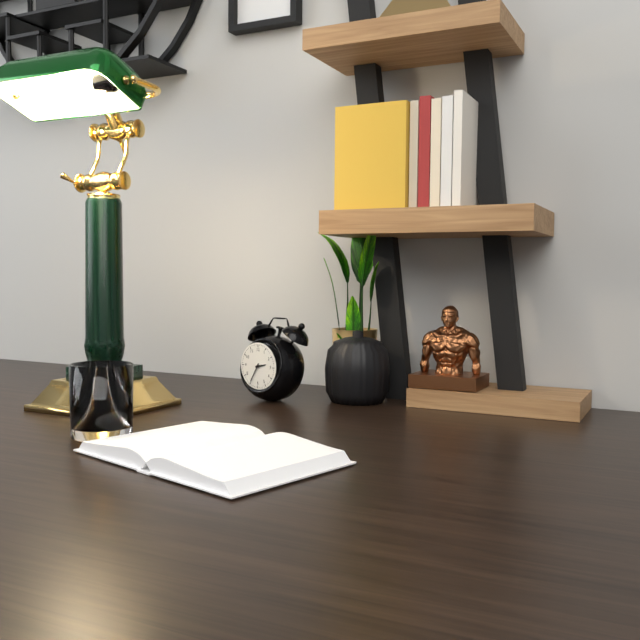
2.35
